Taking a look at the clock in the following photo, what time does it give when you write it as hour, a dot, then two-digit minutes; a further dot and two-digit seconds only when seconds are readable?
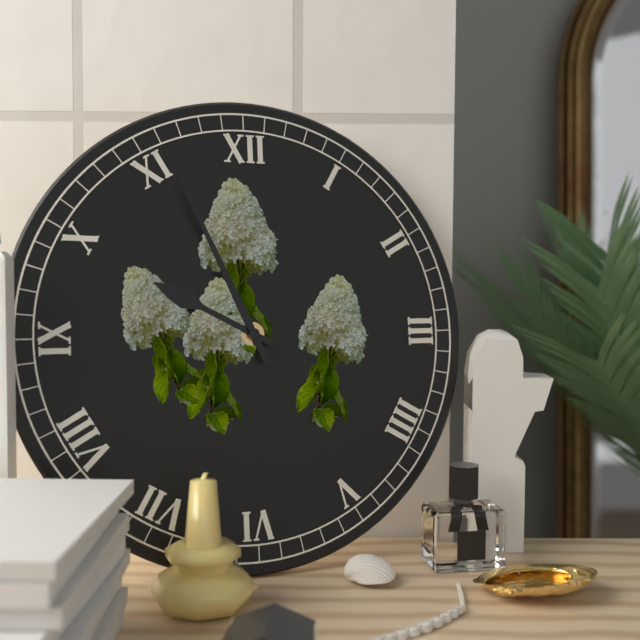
9.56
